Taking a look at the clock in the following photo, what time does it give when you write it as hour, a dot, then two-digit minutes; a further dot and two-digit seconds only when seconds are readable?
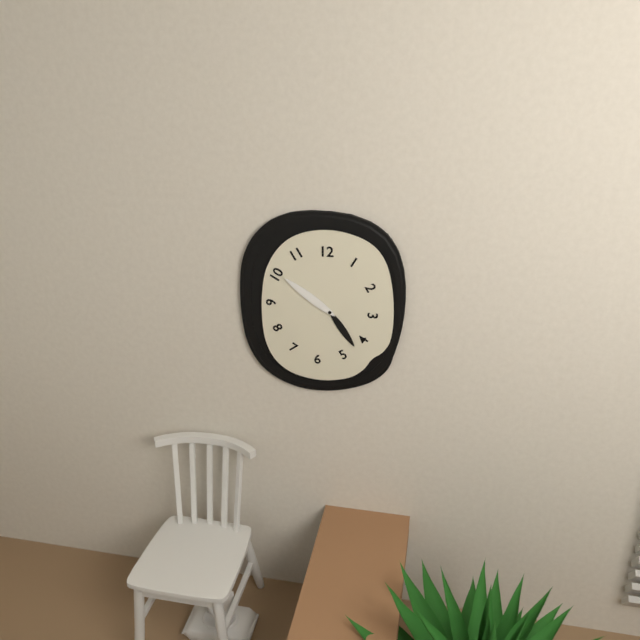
4.51
